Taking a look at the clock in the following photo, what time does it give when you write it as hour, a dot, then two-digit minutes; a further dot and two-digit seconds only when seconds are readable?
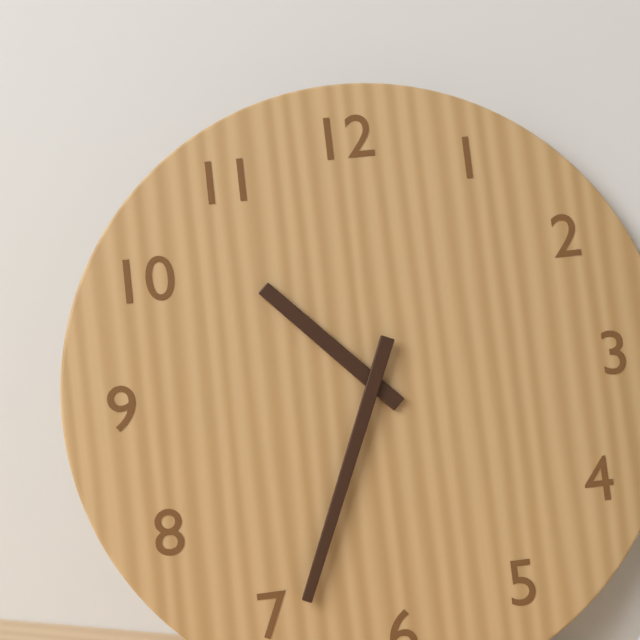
10.34
